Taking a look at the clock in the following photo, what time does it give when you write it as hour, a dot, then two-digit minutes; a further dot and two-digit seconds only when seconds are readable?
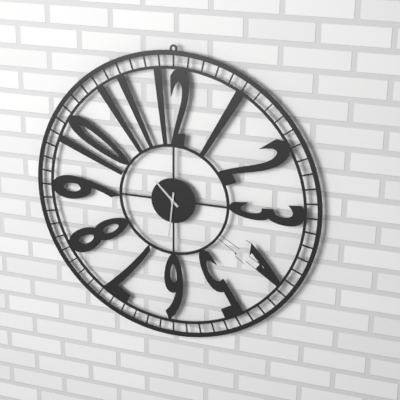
10.31
